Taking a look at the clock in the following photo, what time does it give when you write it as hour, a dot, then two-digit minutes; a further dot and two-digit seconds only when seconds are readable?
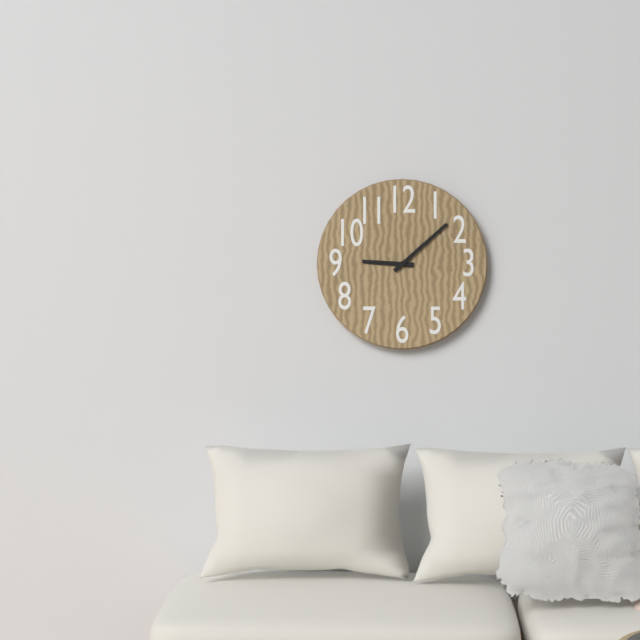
9.08
